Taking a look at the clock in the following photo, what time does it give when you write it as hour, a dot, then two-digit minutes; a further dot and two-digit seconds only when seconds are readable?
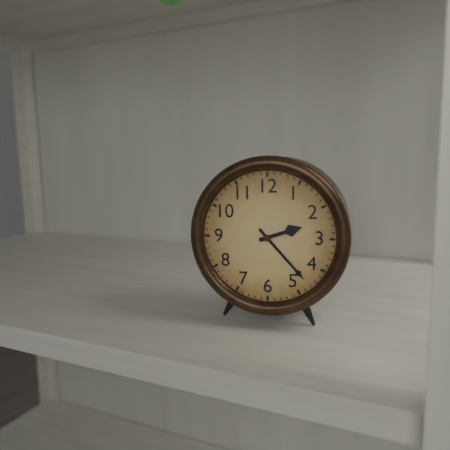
2.23
